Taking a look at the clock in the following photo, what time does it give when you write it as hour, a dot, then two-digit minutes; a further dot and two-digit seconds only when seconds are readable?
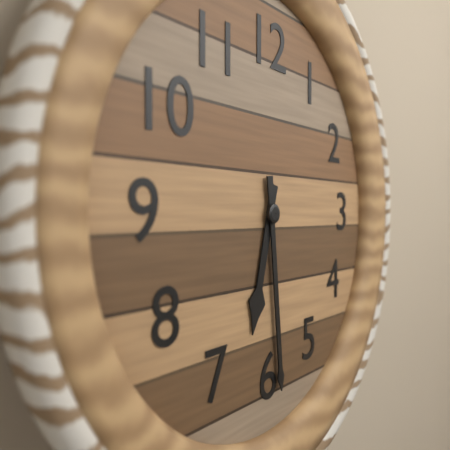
6.29
